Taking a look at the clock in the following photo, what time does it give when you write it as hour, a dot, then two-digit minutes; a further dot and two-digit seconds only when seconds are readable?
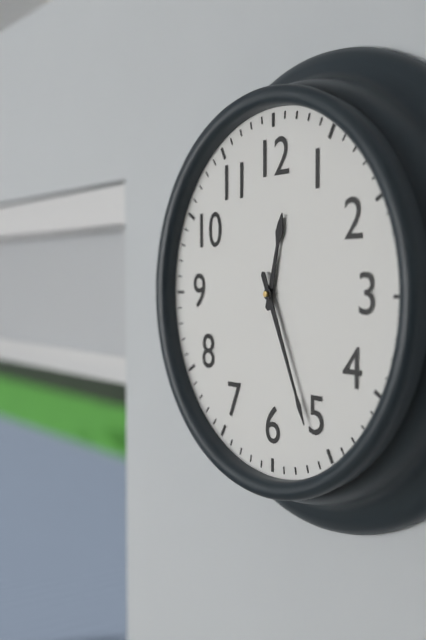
12.26
